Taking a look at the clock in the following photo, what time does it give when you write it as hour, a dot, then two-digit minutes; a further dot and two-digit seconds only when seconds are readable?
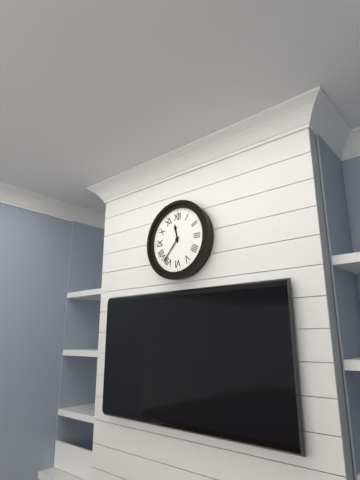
11.37
